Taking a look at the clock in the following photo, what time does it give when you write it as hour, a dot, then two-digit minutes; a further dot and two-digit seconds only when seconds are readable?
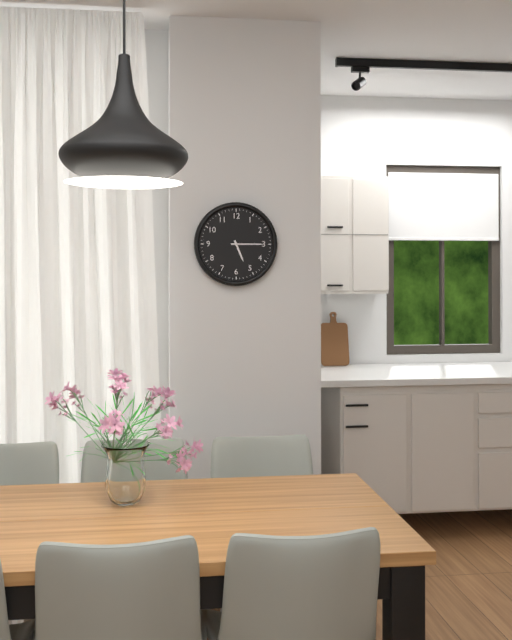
5.15
